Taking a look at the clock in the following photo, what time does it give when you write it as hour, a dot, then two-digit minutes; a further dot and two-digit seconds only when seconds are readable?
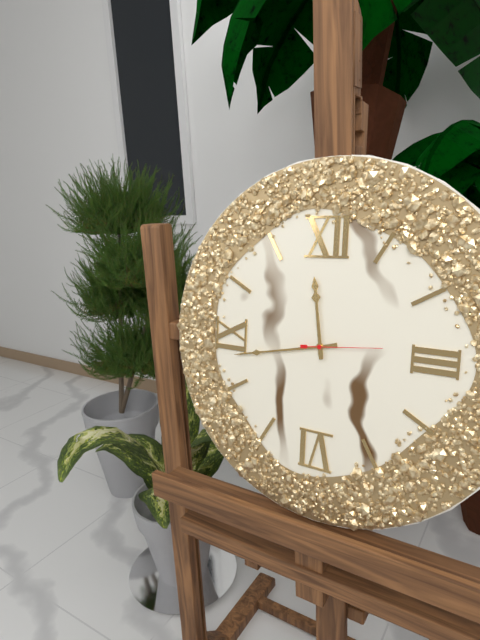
11.43.14
